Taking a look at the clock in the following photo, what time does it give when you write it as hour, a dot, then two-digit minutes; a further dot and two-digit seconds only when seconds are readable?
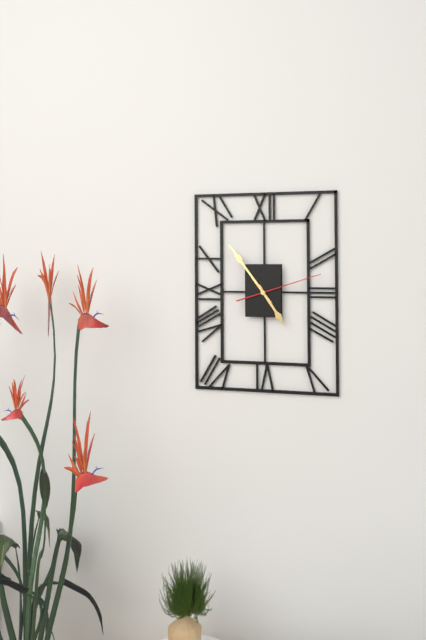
4.54.12
